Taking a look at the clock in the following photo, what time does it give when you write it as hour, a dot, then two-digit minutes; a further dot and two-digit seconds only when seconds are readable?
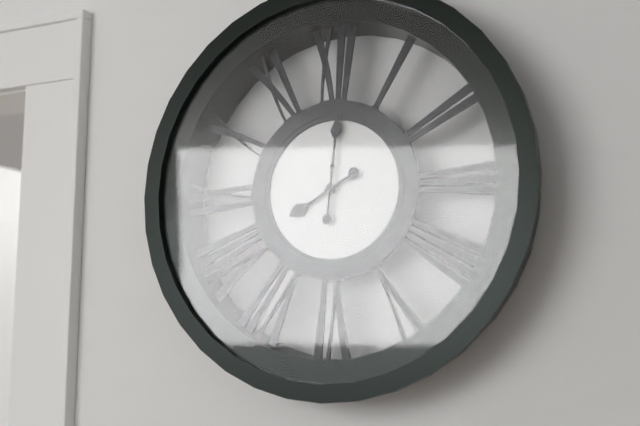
8.01
